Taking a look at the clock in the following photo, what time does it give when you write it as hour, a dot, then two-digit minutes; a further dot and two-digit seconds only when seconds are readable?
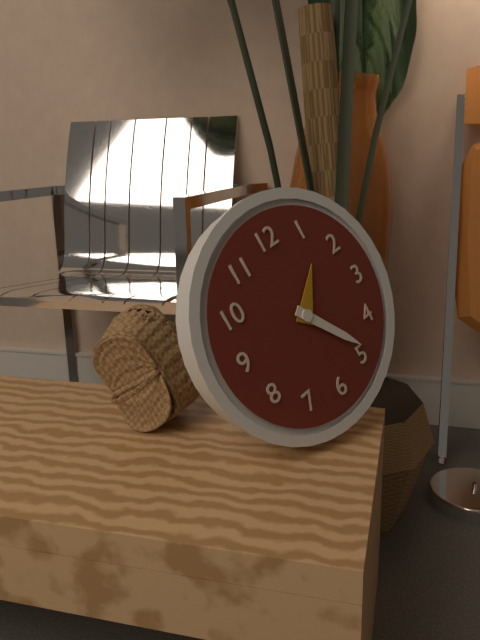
1.24
